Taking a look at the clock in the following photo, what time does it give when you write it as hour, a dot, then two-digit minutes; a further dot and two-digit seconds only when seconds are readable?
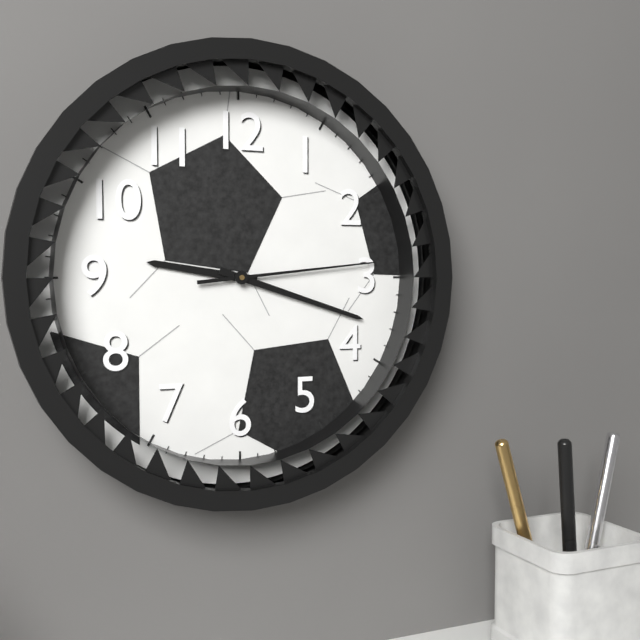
9.18.14
